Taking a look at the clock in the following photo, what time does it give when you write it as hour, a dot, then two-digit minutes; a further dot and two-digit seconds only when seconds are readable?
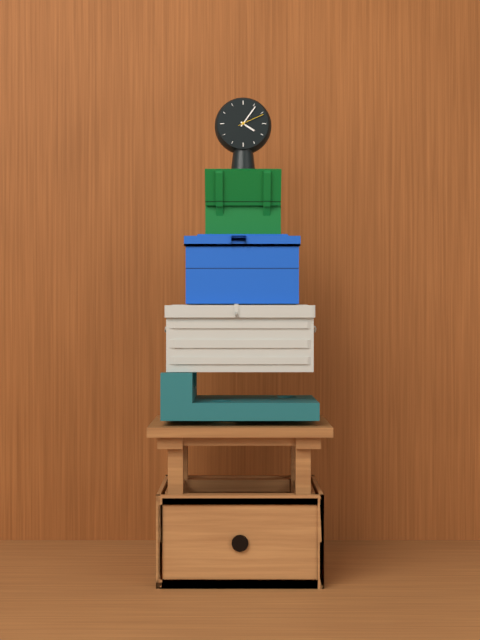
4.06
